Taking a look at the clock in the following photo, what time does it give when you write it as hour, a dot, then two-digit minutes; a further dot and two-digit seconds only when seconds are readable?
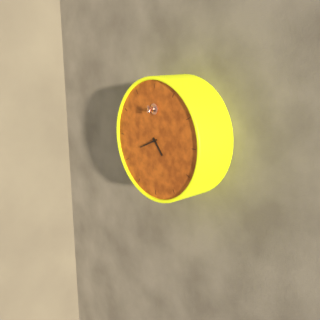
4.41
